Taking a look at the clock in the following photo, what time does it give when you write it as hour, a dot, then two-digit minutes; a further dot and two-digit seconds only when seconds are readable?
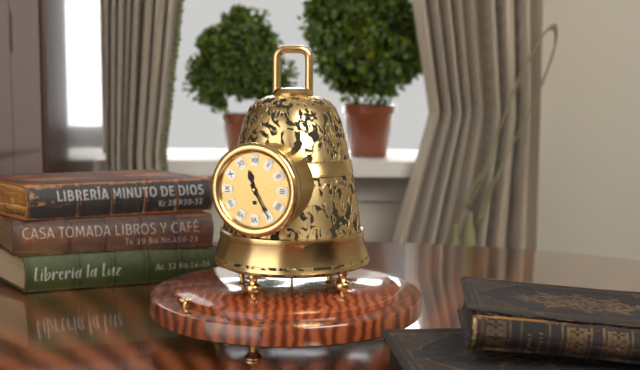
11.25
